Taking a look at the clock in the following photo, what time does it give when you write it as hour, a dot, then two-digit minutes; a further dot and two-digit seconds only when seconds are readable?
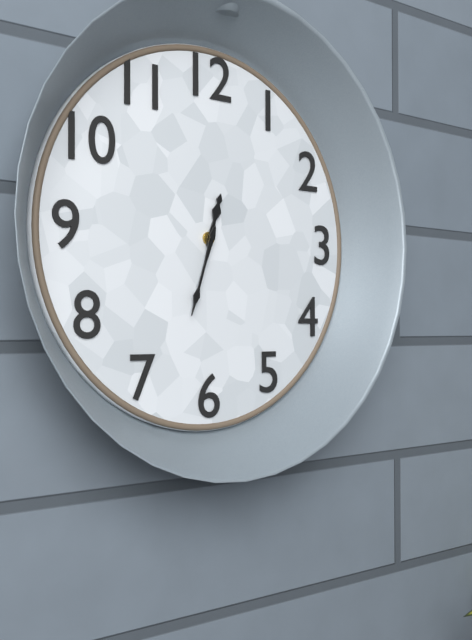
12.33
